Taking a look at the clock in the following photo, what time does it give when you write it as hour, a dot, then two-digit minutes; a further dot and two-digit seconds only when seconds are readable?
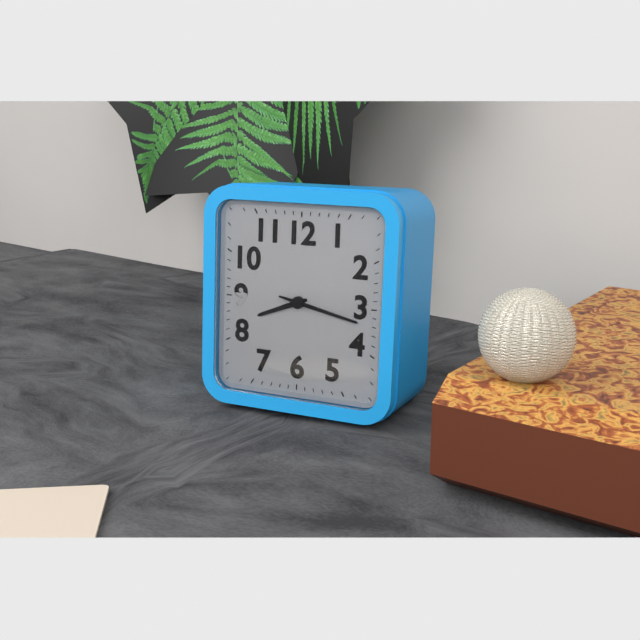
8.17
